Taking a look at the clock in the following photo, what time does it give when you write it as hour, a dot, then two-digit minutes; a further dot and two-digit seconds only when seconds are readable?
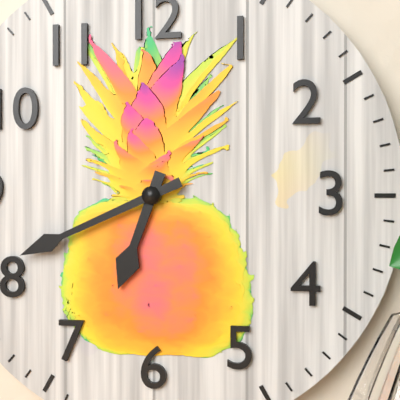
6.41
